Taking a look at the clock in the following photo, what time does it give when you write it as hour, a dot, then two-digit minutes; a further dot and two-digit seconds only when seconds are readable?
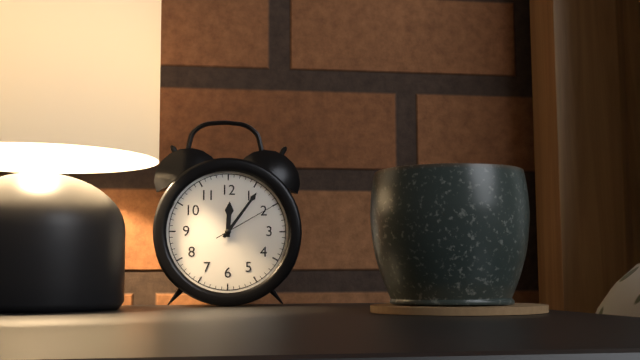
12.06.10
